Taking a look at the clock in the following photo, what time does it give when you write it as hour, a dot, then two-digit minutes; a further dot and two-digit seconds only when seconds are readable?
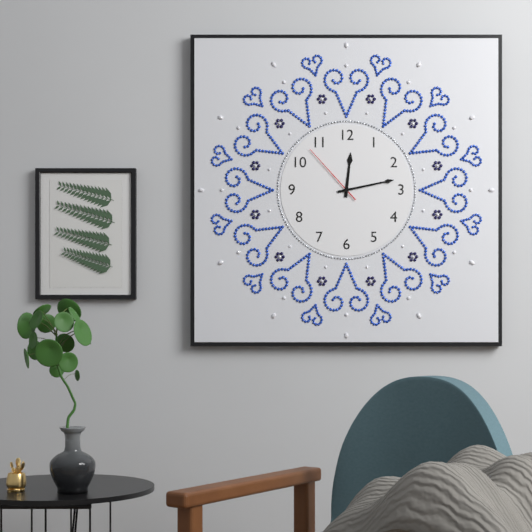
12.13.53
